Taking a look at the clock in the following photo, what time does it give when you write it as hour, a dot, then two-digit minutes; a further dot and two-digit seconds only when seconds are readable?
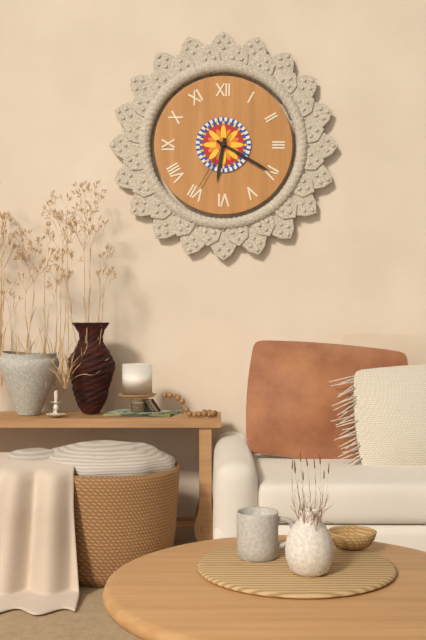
6.20.35
